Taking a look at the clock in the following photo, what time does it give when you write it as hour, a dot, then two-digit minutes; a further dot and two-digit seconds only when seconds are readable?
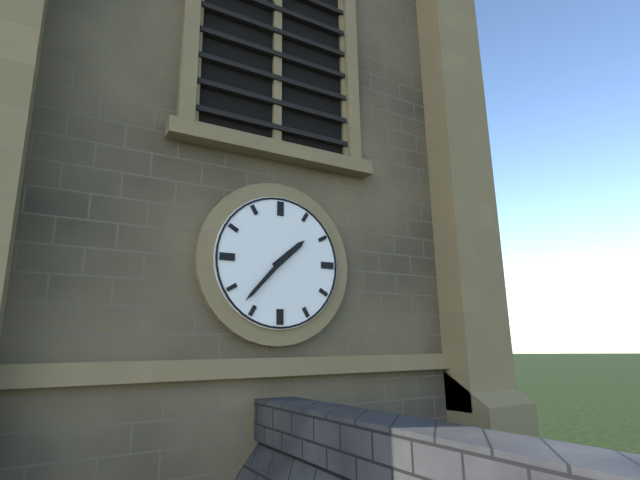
1.37
